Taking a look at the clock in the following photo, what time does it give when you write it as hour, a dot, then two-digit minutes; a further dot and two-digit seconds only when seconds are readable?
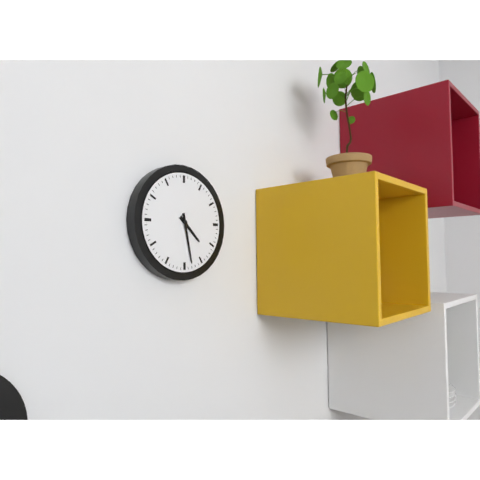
4.28
